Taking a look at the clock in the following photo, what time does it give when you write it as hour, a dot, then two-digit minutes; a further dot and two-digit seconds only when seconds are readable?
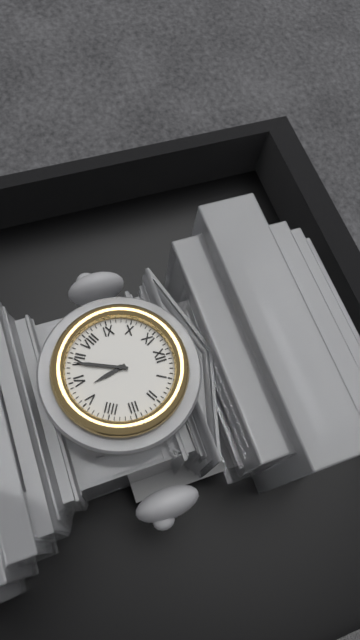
5.34
